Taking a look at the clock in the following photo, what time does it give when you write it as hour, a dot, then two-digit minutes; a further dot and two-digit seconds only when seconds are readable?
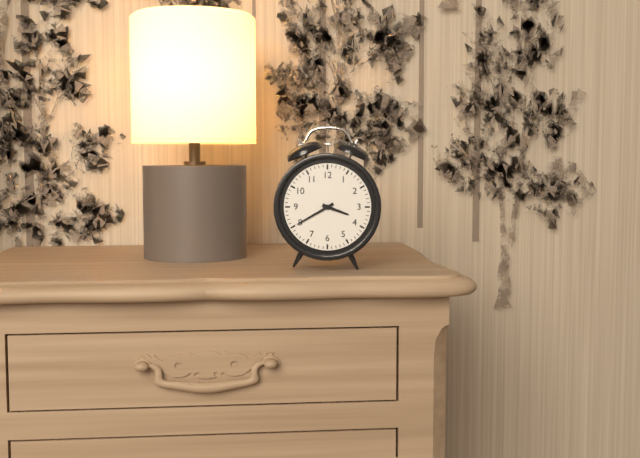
3.40
